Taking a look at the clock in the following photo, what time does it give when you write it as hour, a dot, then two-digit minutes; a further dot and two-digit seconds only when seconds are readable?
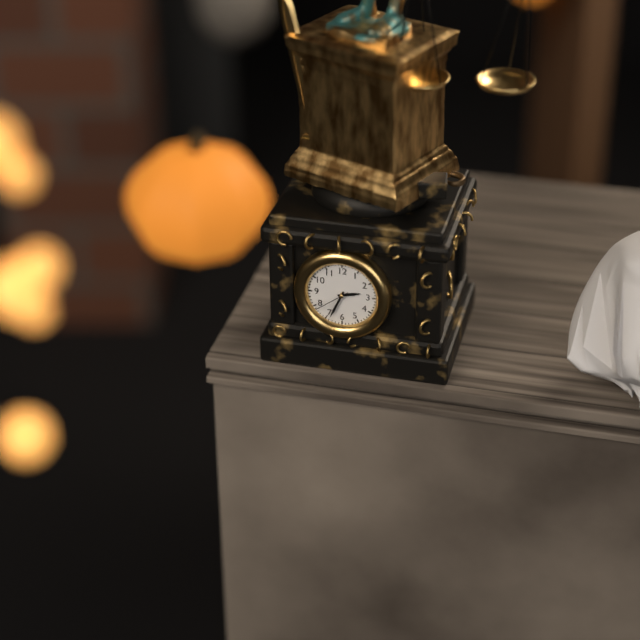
2.34
